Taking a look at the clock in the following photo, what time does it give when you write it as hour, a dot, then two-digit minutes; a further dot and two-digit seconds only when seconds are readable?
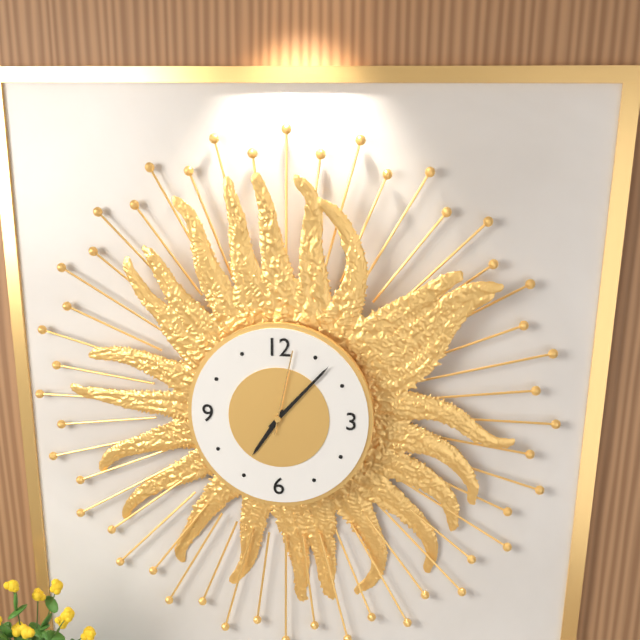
7.07.02
